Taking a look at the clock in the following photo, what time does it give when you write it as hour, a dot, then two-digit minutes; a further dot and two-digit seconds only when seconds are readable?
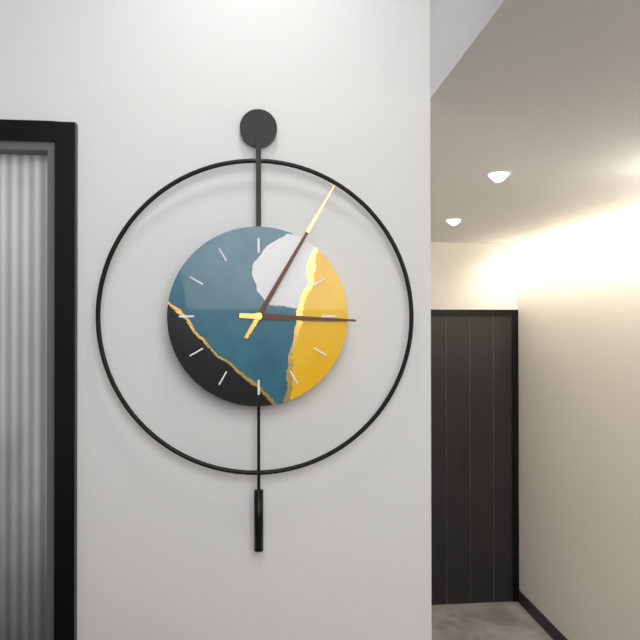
3.05
